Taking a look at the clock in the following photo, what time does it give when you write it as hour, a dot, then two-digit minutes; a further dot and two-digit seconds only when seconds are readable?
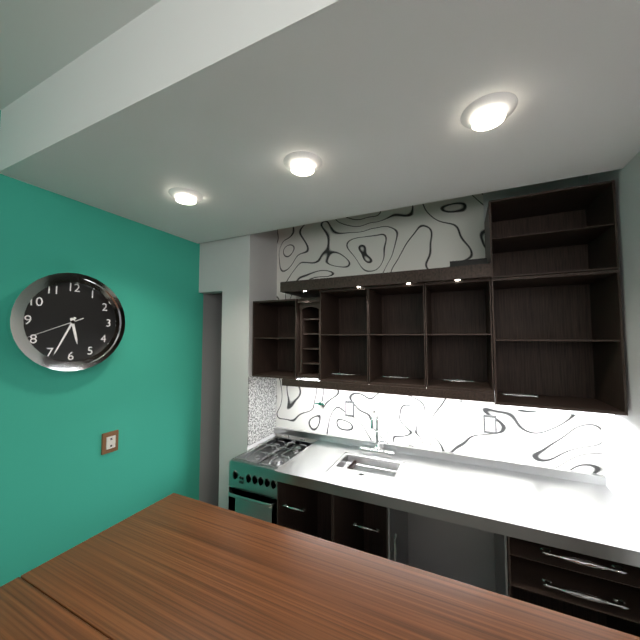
5.34.41
